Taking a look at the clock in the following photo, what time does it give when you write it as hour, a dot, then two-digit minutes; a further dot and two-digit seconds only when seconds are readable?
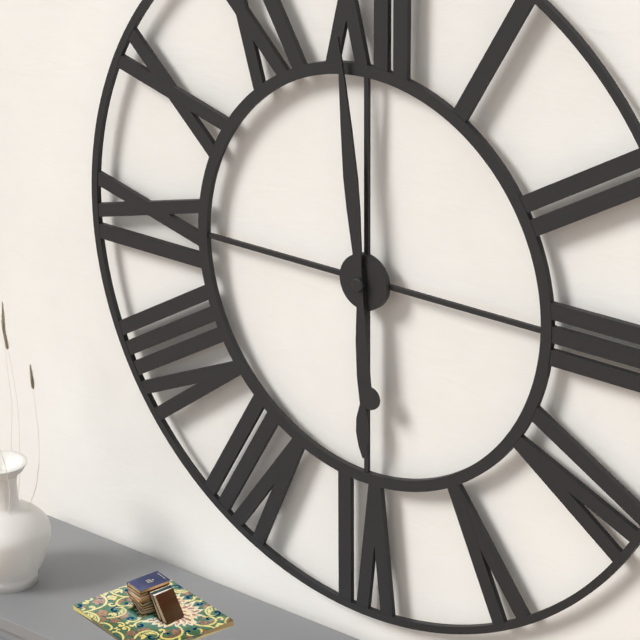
5.59
